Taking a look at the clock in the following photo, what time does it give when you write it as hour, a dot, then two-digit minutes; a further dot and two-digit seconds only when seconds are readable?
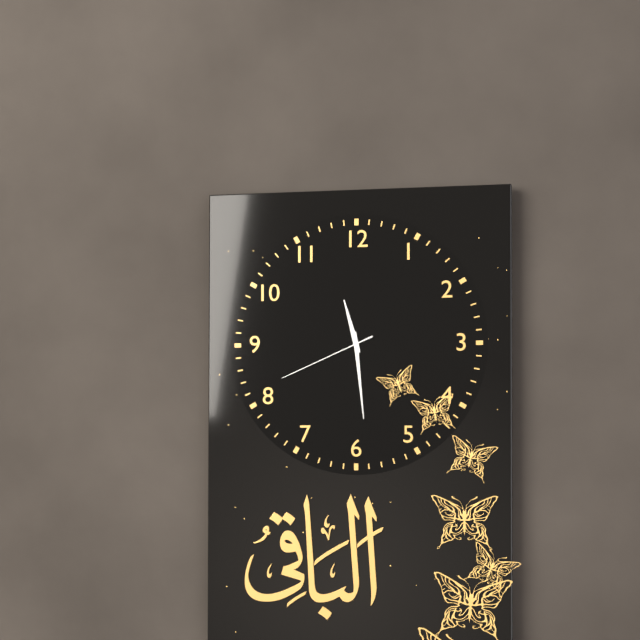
11.29.41
